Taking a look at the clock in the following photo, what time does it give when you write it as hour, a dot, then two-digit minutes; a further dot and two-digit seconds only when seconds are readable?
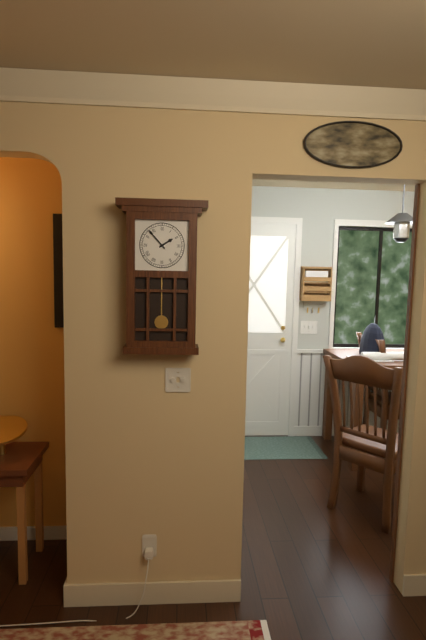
1.53
